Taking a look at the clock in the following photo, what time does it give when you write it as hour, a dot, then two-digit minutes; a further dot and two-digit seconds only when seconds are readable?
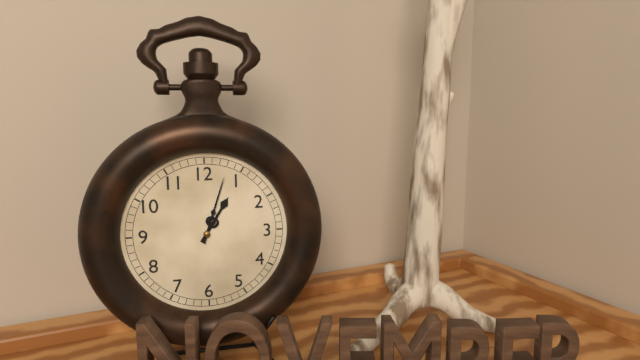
1.03
